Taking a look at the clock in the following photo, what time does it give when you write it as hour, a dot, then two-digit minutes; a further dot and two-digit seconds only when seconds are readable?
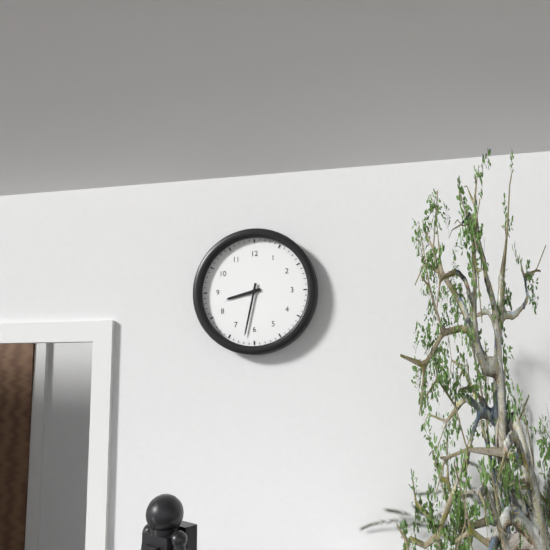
8.32
